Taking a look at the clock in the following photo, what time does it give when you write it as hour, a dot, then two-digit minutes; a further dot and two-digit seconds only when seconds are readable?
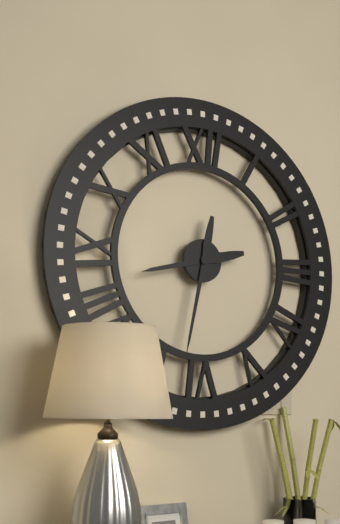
8.32
